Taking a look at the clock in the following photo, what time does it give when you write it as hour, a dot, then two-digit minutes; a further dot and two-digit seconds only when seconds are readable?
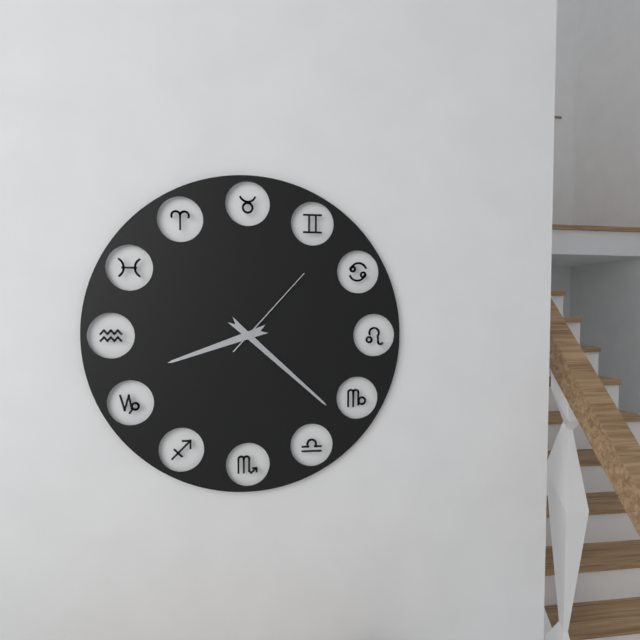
8.22.07
